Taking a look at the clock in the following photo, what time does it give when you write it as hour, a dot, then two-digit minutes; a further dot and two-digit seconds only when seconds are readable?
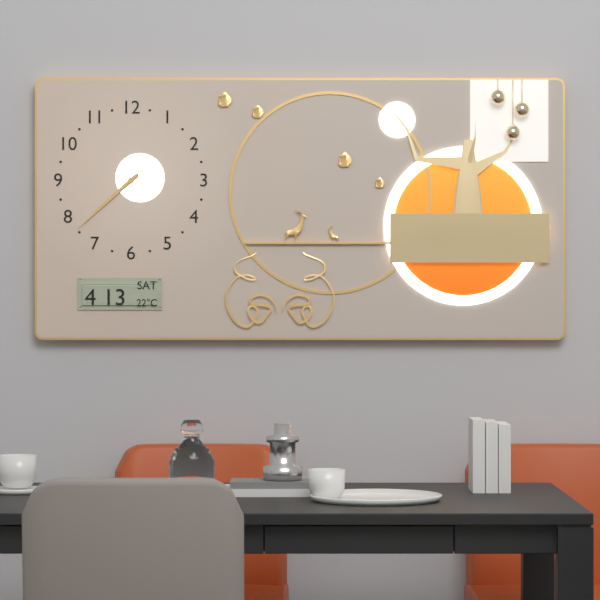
7.38.38
